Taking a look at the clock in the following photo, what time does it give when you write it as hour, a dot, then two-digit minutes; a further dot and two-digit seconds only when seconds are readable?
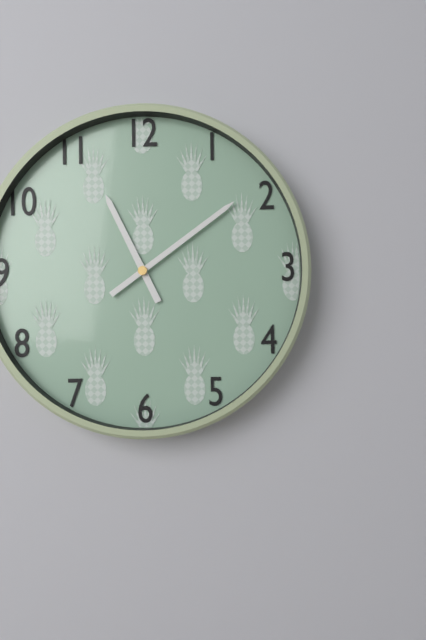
11.09
